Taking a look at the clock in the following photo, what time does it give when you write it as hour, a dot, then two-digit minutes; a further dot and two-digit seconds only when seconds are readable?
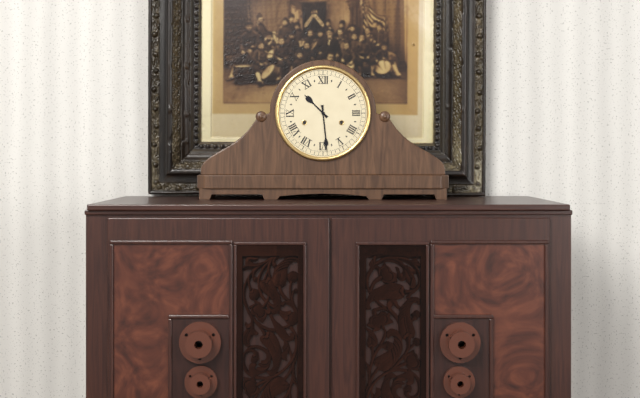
10.29
